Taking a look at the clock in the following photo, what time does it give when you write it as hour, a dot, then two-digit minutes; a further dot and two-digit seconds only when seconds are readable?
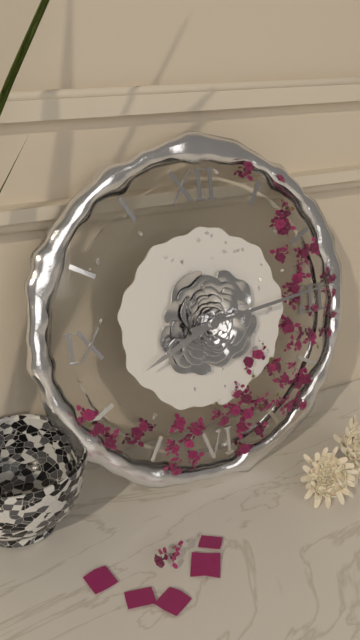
8.14
